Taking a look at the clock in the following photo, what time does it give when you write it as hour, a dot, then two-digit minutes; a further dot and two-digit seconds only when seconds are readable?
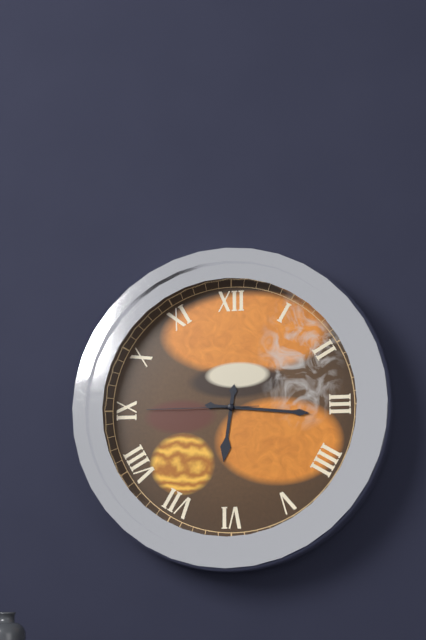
6.16.45
